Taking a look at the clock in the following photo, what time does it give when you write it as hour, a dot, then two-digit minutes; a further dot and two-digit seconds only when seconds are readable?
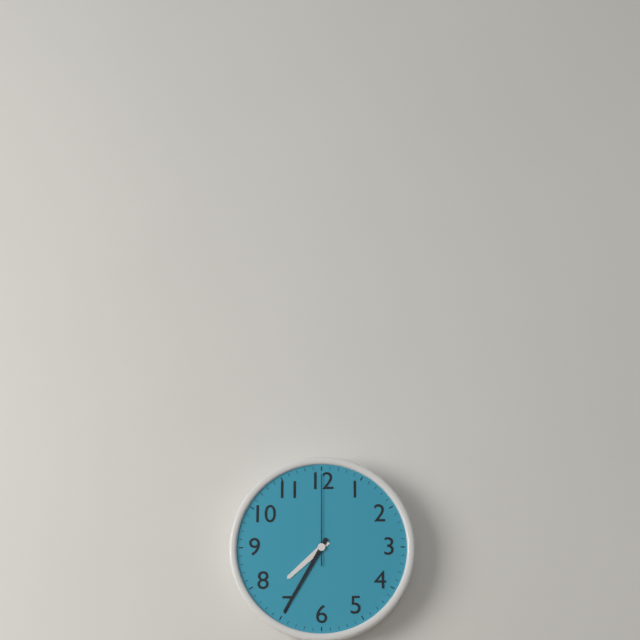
7.35.00
